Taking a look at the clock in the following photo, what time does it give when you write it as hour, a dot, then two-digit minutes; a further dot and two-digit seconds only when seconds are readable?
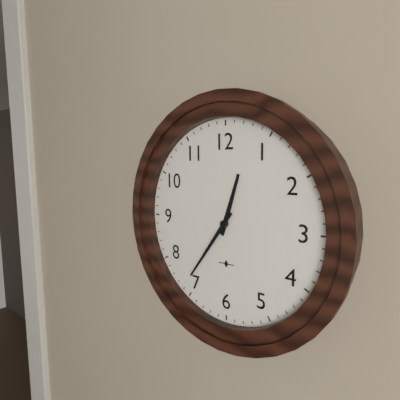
12.36
